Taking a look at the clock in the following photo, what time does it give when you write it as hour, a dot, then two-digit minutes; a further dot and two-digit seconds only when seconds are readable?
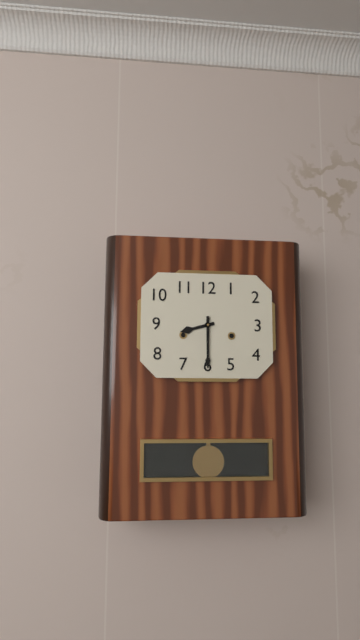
8.30
